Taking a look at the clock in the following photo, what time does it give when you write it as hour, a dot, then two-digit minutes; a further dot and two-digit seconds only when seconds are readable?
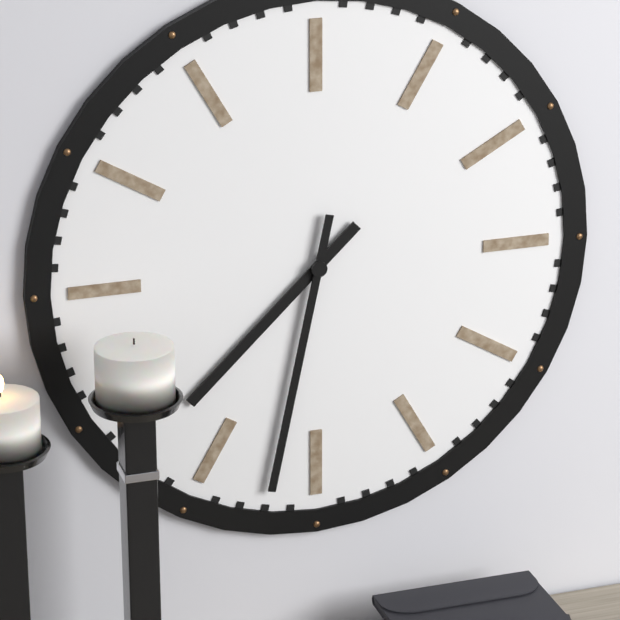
7.32
